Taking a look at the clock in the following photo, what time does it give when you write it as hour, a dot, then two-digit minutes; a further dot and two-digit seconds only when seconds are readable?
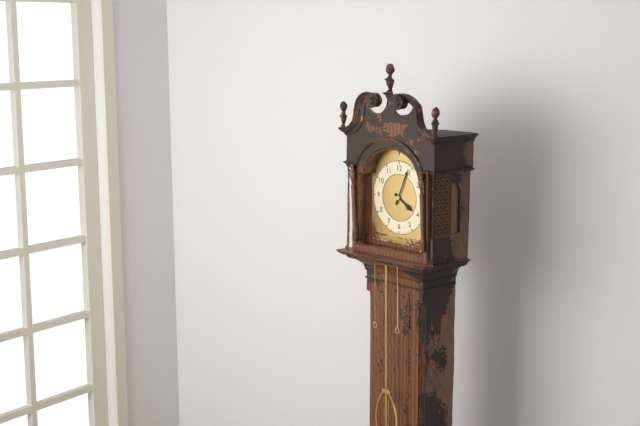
4.04
